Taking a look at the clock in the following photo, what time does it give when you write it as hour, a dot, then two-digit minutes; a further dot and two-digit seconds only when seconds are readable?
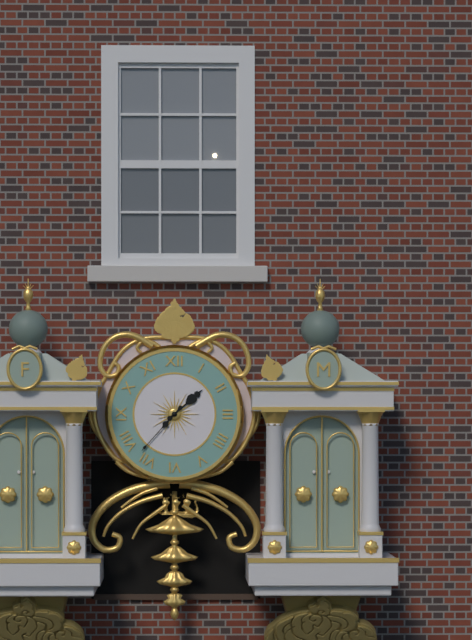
1.37
